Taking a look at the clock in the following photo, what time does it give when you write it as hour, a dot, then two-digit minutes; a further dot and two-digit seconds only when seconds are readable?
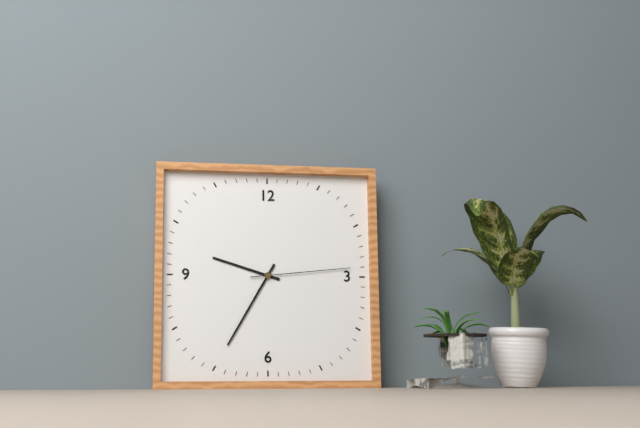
9.35.14
